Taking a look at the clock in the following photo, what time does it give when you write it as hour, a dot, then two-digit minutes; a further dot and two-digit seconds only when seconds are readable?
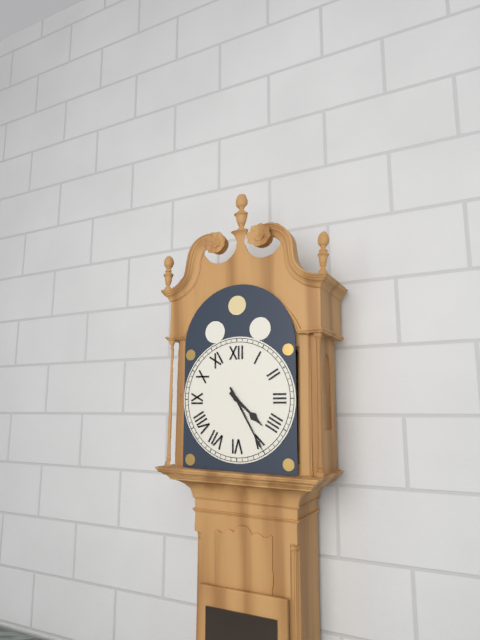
4.25
